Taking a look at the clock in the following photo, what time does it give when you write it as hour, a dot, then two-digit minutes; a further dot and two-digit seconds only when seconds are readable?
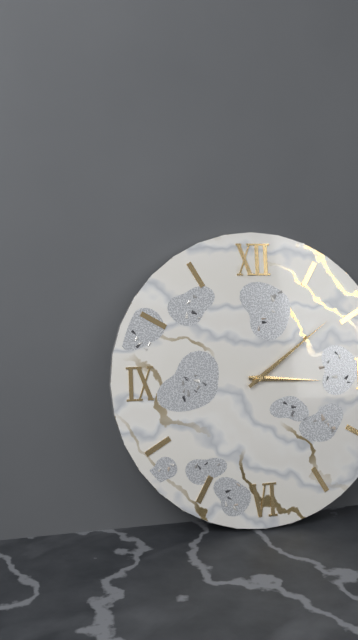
3.09
